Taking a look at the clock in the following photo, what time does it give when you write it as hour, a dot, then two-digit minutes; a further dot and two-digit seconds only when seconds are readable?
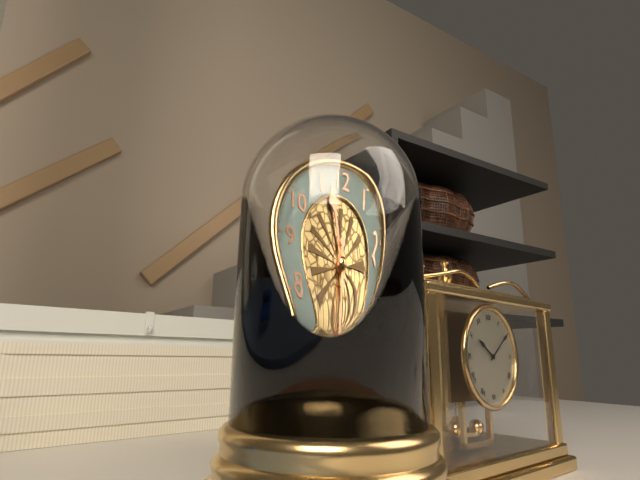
11.30
